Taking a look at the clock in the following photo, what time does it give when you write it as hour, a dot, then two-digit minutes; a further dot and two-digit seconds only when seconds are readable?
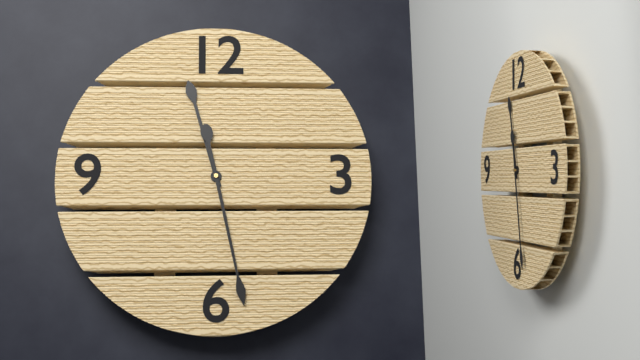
11.28
